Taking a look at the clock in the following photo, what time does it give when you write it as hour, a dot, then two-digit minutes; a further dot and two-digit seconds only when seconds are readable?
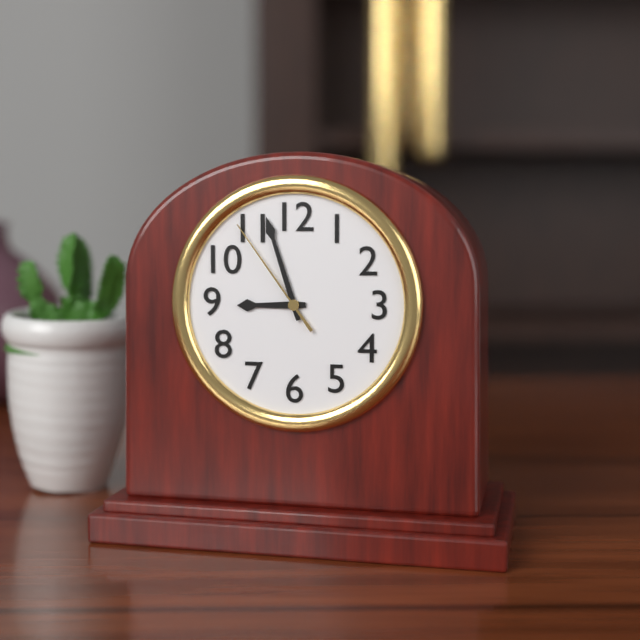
8.57.54
